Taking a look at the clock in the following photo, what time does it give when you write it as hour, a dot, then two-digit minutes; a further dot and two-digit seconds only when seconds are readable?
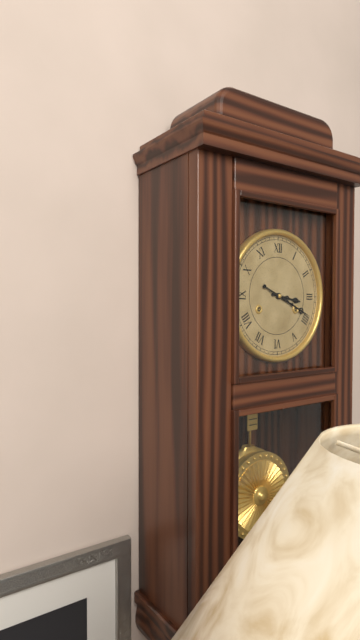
3.19
